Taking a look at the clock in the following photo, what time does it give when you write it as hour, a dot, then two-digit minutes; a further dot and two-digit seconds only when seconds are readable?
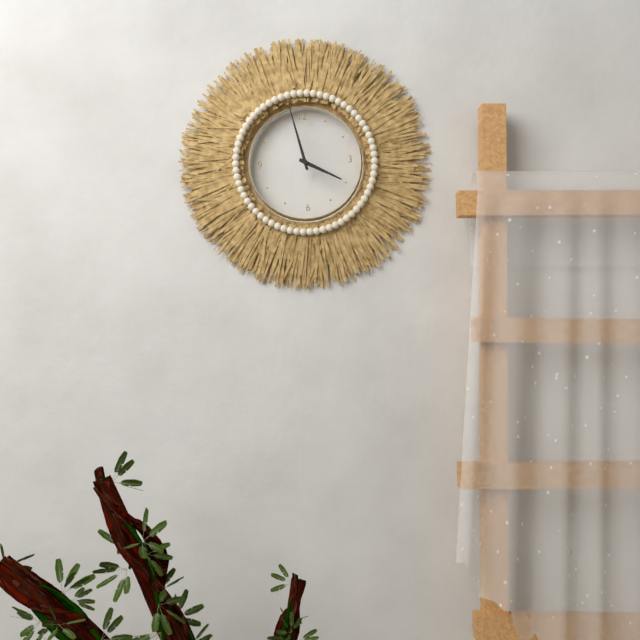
3.58
